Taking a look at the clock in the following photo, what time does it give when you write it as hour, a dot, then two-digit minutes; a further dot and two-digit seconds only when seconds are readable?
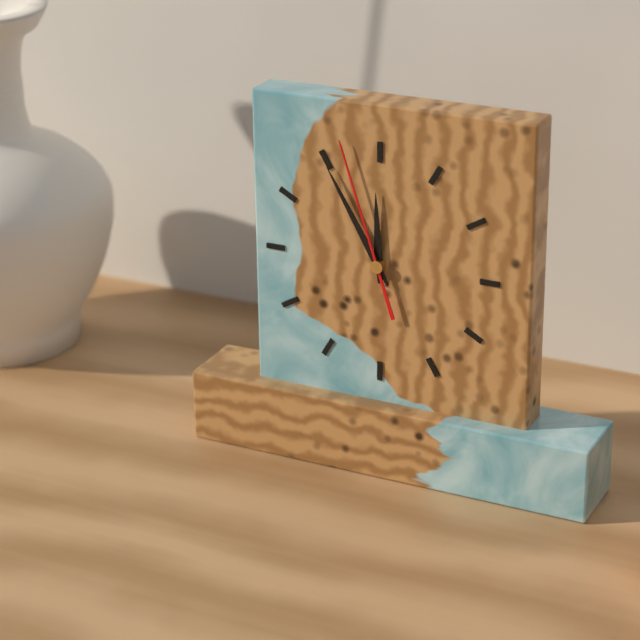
11.55.57
